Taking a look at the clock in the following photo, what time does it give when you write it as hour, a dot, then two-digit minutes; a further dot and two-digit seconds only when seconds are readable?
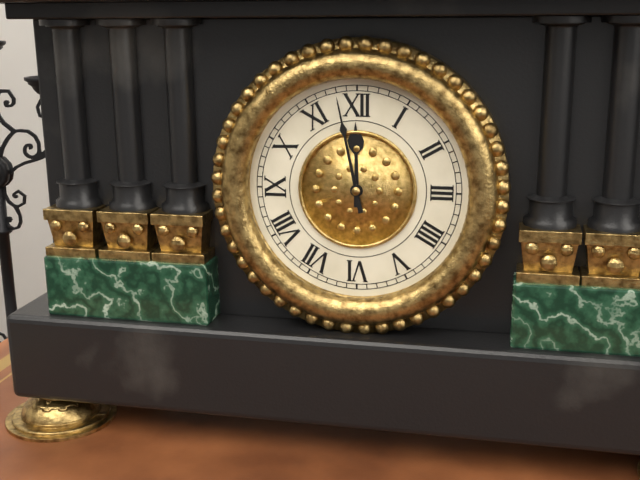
11.58
